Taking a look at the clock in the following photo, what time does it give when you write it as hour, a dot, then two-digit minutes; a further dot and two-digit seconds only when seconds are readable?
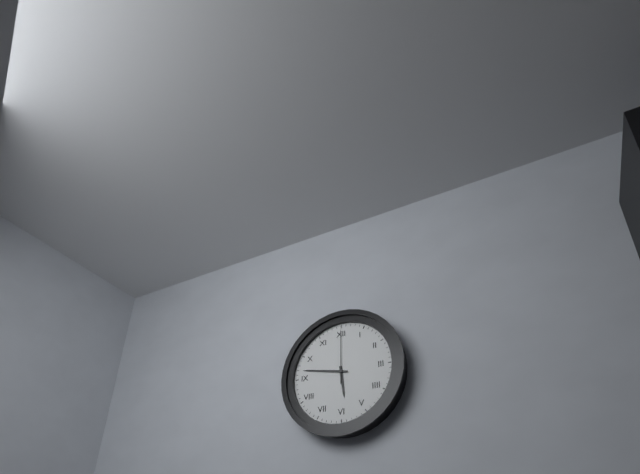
5.47.00
